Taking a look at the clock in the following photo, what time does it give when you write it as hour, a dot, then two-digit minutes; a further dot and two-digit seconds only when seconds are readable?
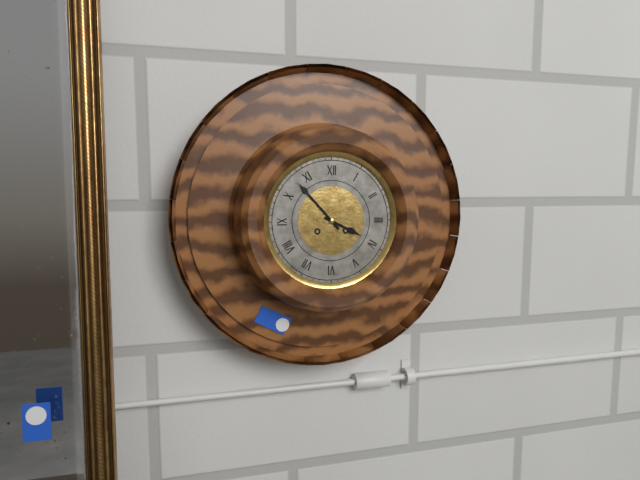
3.53
